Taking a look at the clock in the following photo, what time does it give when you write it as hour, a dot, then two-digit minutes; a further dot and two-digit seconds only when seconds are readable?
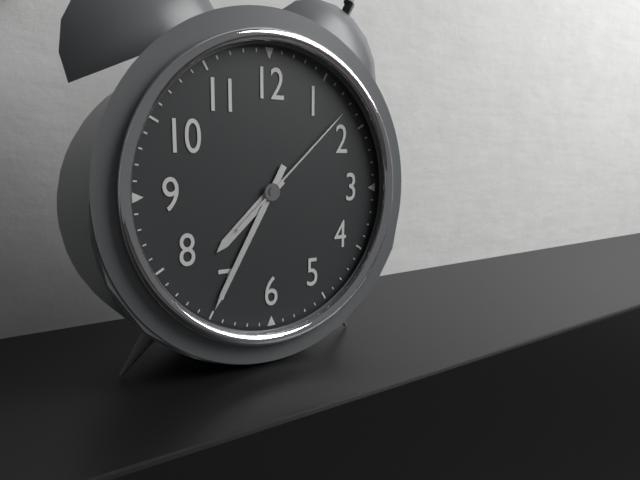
7.35.08
